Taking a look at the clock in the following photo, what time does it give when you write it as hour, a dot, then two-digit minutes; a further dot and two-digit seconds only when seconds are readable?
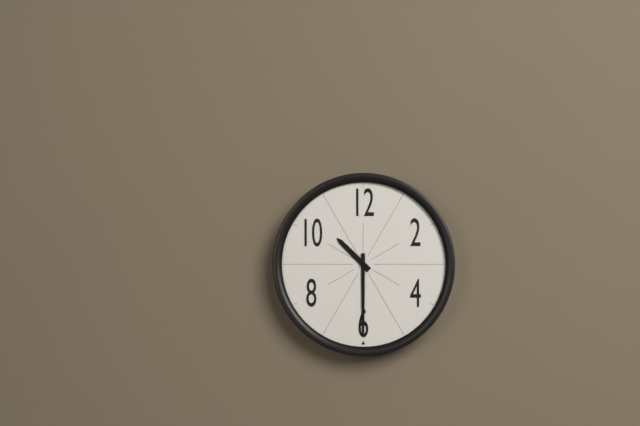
10.30
